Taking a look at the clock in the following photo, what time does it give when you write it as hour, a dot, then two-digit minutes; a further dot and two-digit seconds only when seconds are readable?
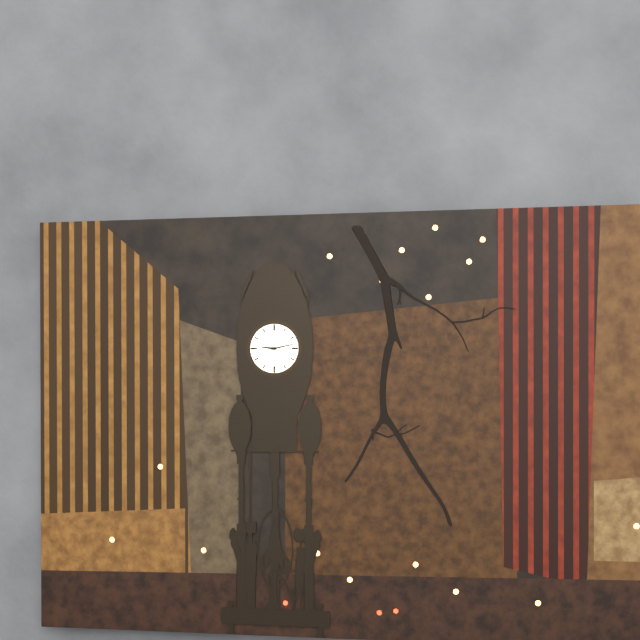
9.13
